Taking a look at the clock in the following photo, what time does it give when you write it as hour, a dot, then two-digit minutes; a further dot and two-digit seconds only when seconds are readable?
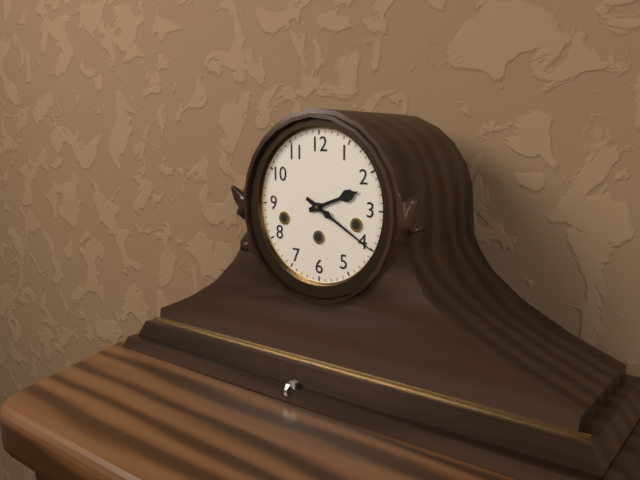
2.20
